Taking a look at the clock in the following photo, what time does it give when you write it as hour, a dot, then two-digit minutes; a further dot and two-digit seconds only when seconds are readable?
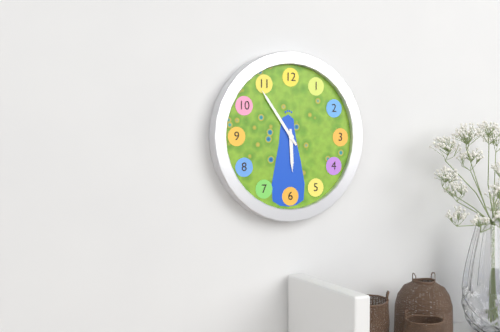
5.54
